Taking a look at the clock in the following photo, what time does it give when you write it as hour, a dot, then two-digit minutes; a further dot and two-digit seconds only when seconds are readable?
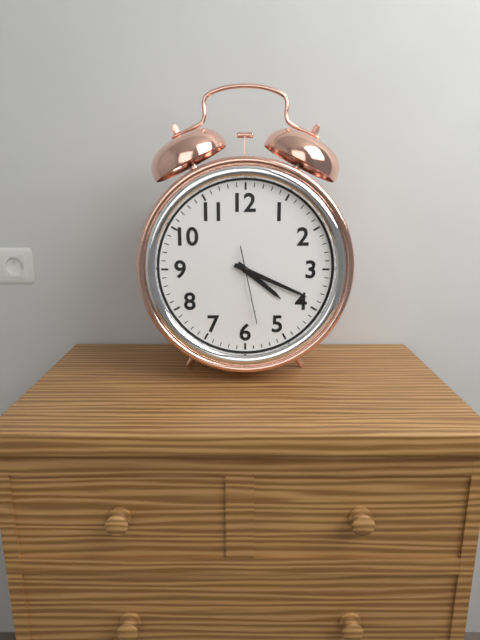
4.19.28
